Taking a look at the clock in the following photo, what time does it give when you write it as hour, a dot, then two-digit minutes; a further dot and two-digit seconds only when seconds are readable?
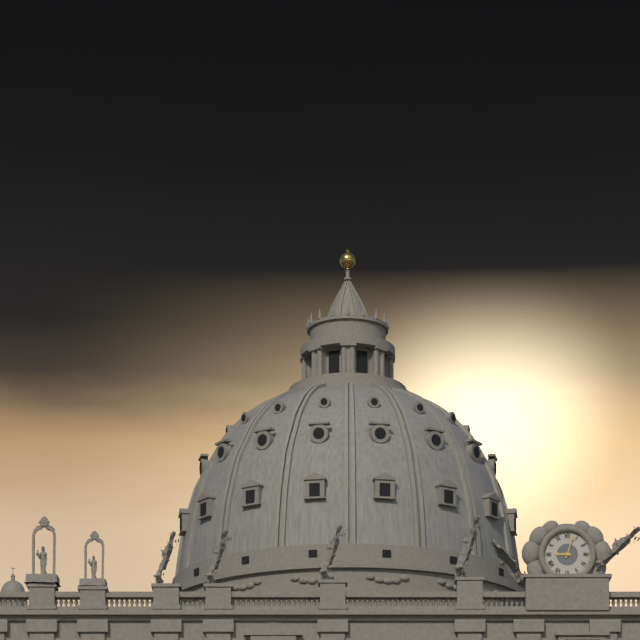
9.03
